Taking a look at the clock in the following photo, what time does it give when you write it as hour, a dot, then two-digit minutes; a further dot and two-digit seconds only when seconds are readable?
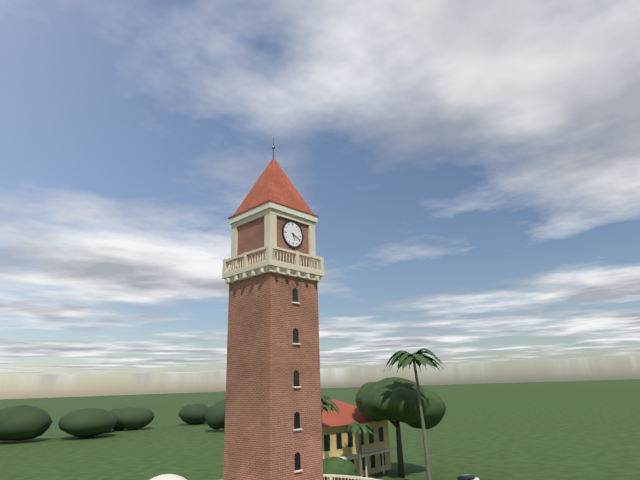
5.19
